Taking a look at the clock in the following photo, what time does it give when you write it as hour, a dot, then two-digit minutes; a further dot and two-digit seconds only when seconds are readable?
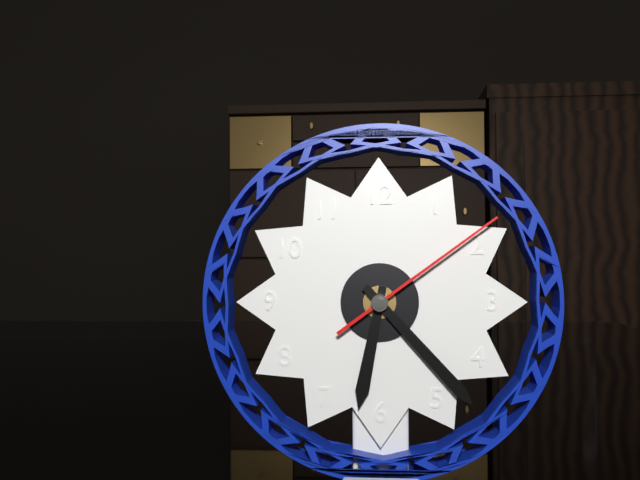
6.23.09
